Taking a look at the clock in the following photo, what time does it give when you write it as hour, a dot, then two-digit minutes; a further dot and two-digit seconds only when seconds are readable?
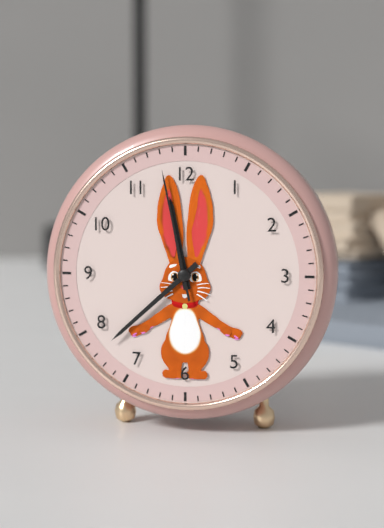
11.38.58
